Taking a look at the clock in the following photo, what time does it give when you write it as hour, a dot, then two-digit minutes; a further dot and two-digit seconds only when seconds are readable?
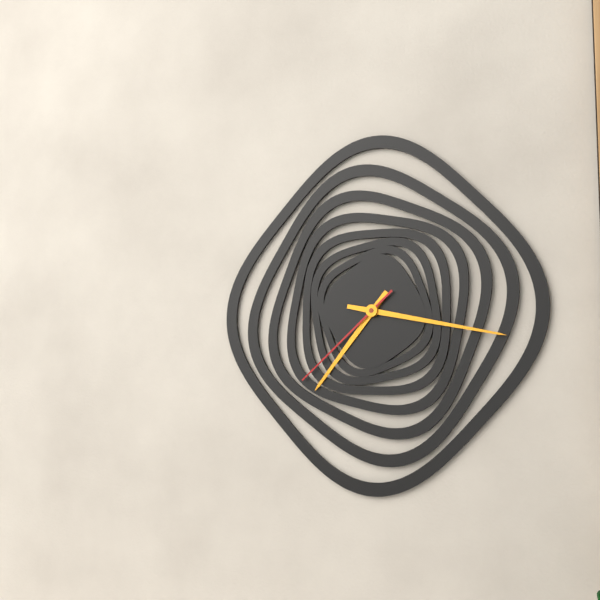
7.17.38
